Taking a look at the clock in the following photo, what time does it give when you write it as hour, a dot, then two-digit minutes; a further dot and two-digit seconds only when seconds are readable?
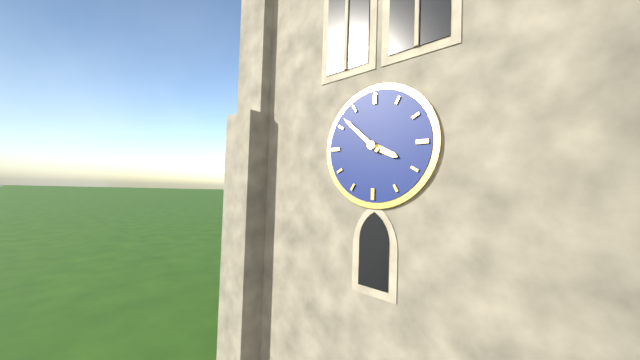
3.52
